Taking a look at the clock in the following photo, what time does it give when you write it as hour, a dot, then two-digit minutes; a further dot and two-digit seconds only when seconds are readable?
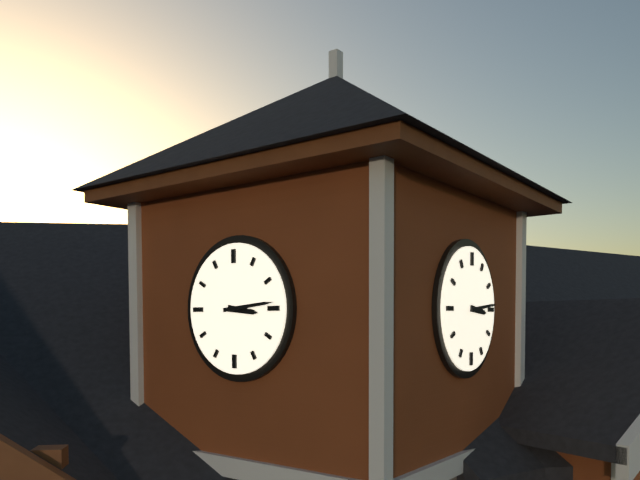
3.14
